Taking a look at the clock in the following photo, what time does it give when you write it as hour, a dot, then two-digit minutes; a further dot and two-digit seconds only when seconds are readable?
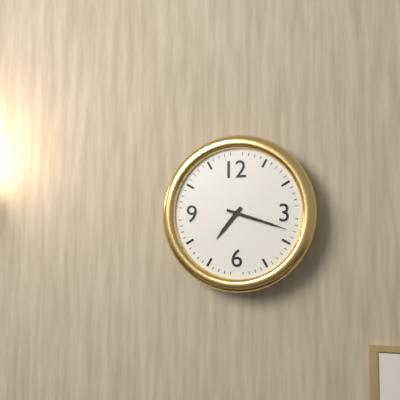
7.18
